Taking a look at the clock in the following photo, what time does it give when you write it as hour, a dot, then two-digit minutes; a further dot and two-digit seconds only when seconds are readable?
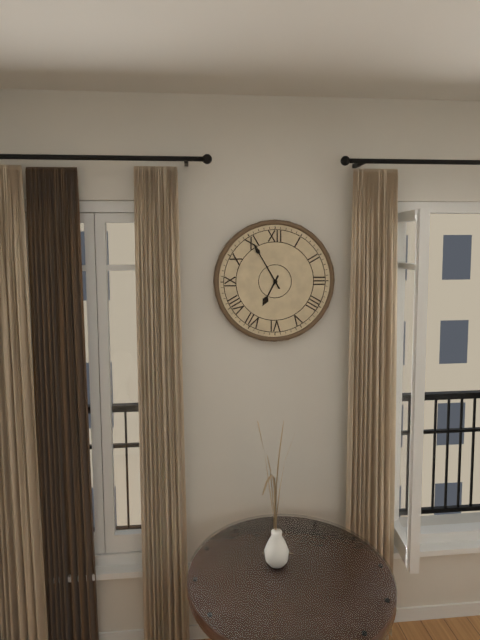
6.55
